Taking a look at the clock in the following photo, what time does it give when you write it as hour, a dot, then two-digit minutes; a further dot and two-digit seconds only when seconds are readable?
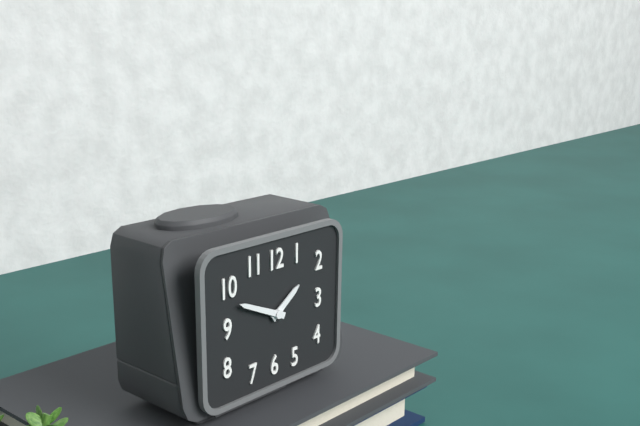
1.49
